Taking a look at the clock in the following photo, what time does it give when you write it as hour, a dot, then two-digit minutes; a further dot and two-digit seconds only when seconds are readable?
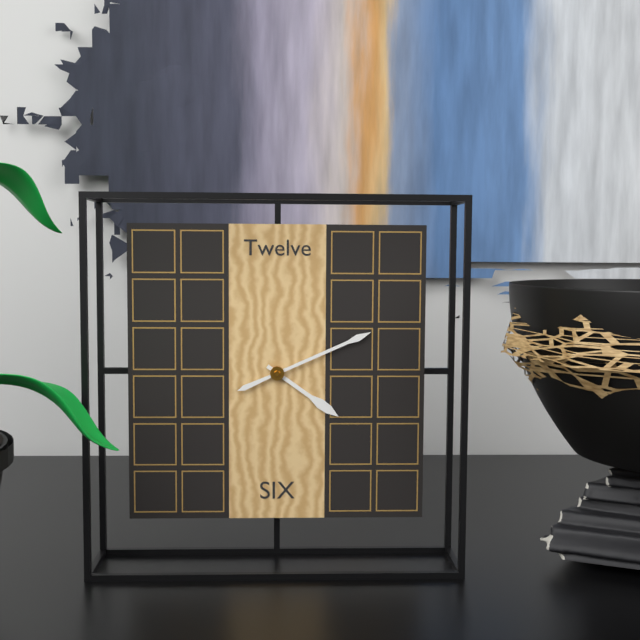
4.11
